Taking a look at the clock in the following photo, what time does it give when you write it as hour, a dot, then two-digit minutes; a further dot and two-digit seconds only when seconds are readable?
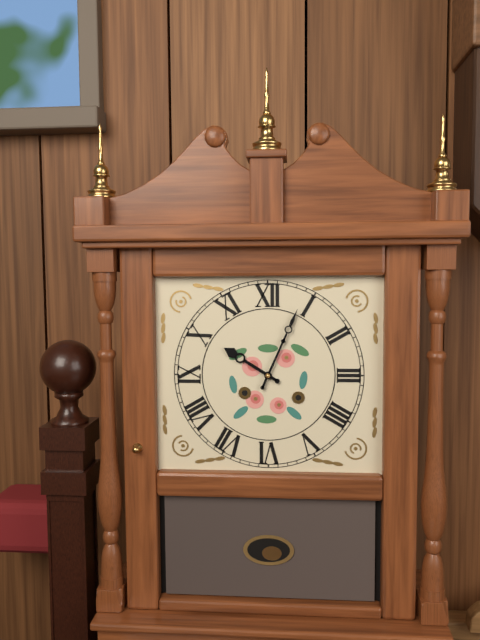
10.04
